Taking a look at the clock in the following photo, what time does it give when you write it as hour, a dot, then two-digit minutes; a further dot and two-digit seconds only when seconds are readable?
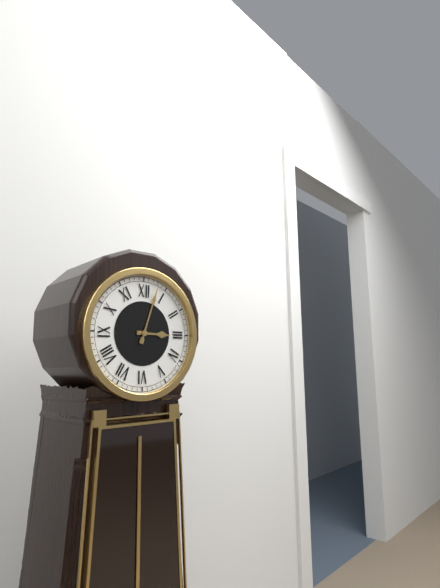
3.03
